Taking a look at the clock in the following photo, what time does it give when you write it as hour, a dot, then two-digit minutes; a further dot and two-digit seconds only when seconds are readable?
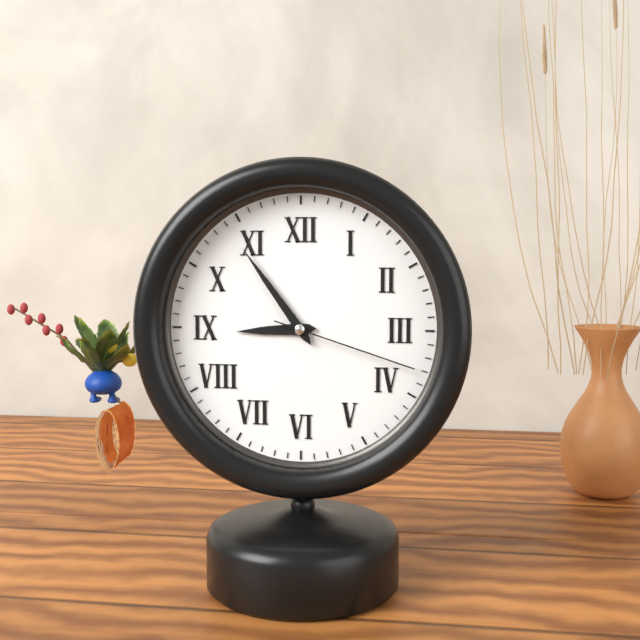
8.54.18
